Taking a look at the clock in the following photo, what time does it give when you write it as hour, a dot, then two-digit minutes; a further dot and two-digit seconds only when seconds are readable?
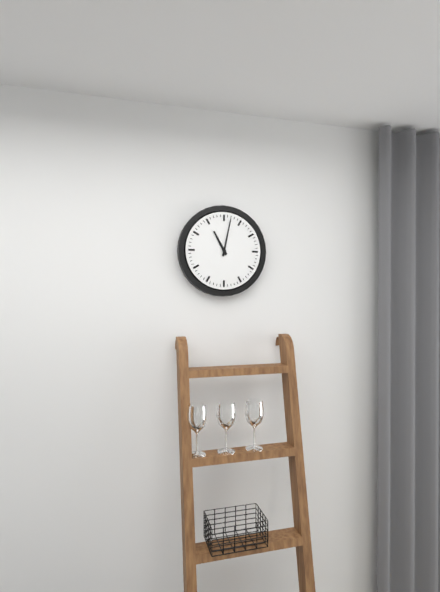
11.02
